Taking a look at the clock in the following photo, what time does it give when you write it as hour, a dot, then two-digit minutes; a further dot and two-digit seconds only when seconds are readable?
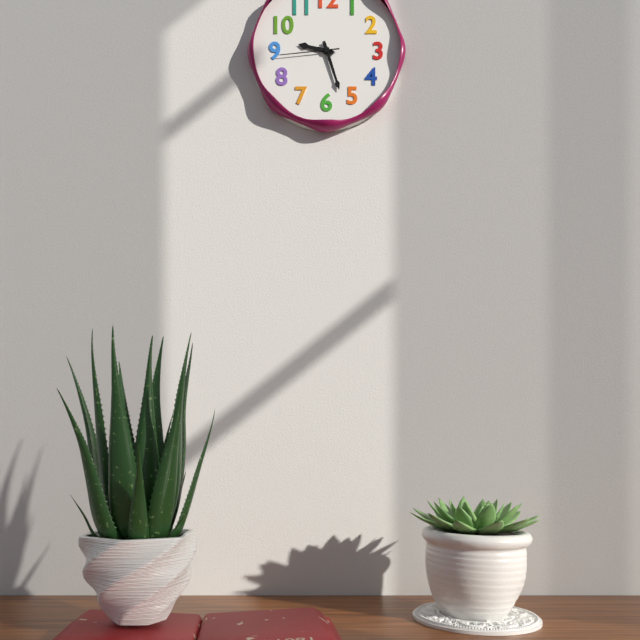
9.27.44
